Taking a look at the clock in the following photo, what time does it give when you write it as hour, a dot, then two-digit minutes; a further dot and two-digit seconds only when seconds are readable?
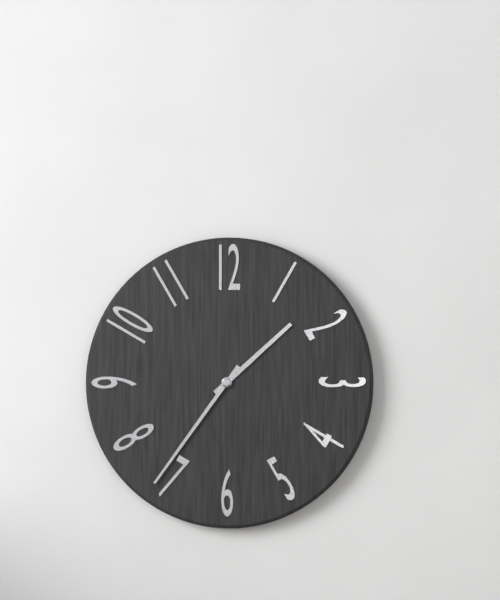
1.36
